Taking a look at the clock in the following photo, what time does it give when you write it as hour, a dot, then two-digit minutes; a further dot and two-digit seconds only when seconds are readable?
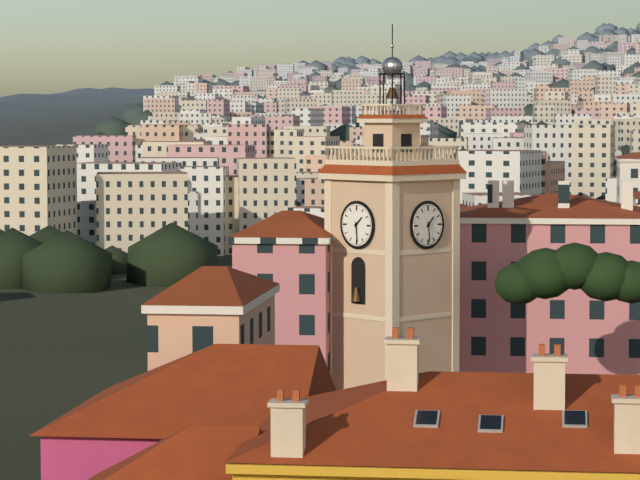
1.29
